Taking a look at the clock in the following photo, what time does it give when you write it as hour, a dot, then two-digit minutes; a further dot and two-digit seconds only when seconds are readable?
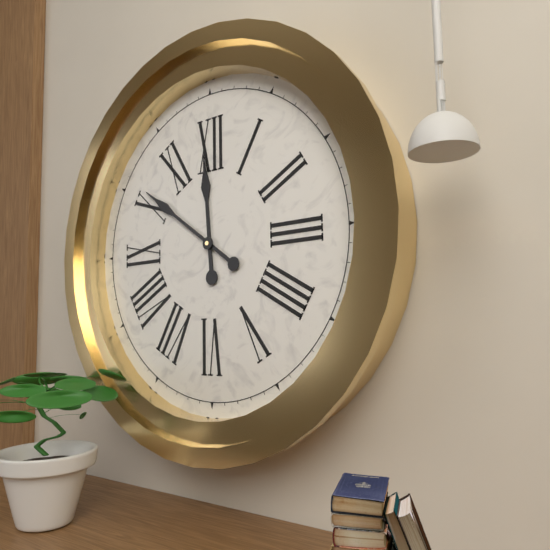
11.51
